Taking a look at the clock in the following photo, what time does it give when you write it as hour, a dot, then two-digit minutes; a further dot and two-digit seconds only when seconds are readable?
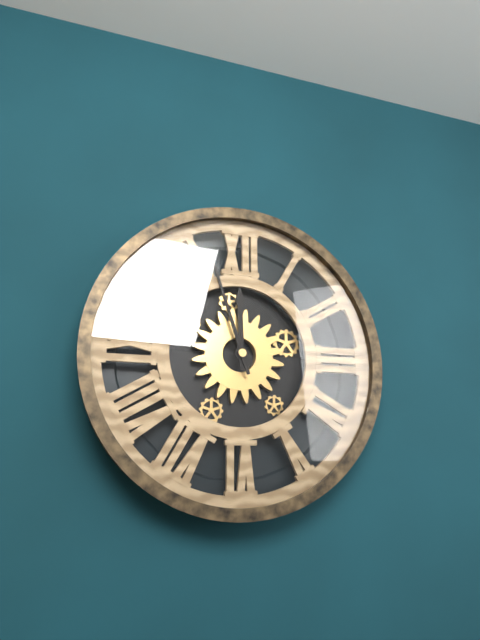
11.57
